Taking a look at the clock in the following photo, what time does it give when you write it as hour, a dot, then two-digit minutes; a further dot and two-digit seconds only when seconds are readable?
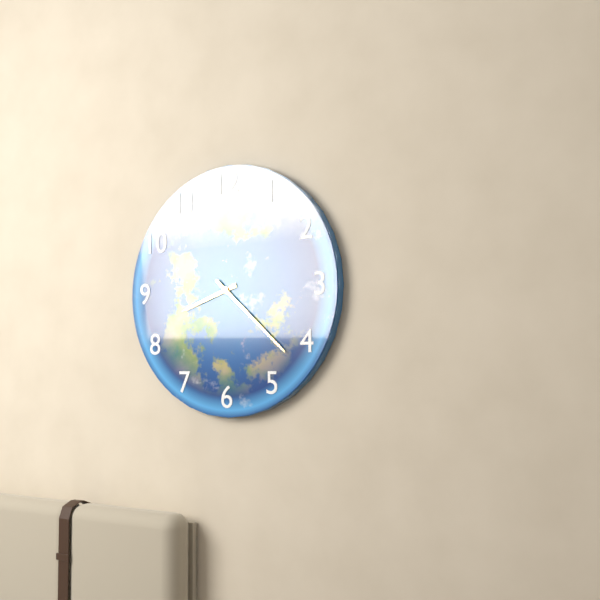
8.22
